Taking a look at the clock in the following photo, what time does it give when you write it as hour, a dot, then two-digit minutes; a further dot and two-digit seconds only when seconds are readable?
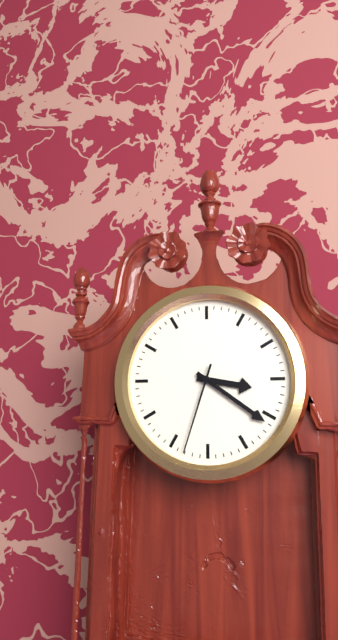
3.21.33
